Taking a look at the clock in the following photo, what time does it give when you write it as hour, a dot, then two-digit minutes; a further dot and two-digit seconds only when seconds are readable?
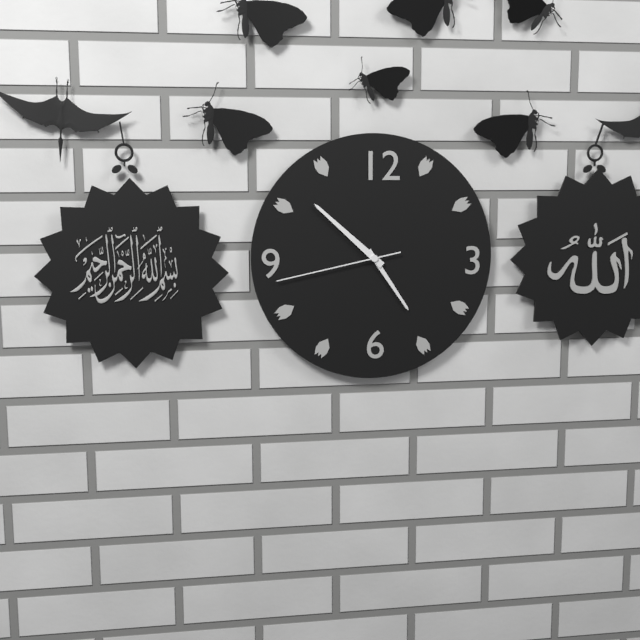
4.52.43
